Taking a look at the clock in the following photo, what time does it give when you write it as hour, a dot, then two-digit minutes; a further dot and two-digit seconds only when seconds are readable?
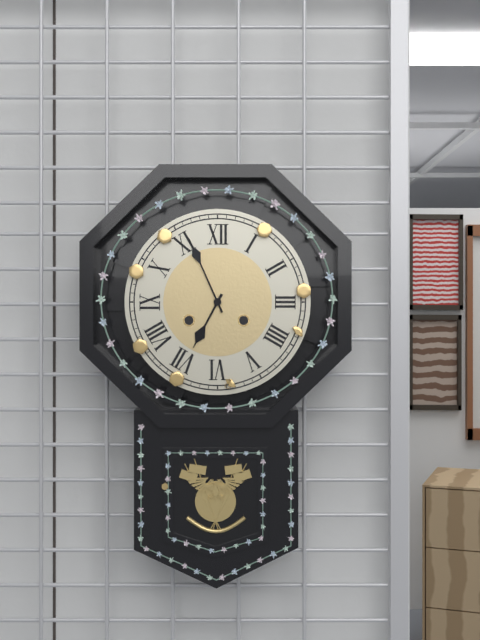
6.56
